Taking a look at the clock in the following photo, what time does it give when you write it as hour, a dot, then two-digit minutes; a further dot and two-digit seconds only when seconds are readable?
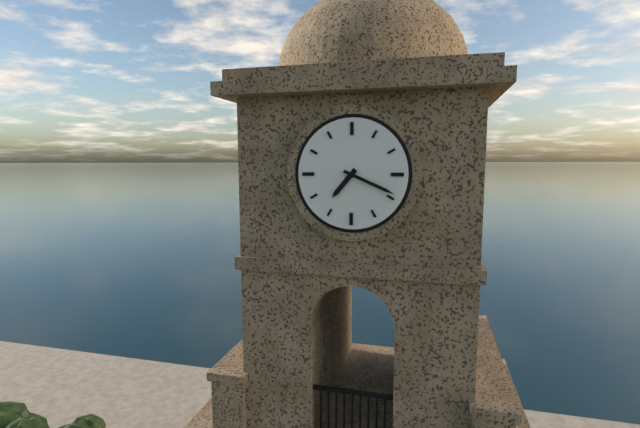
7.19
